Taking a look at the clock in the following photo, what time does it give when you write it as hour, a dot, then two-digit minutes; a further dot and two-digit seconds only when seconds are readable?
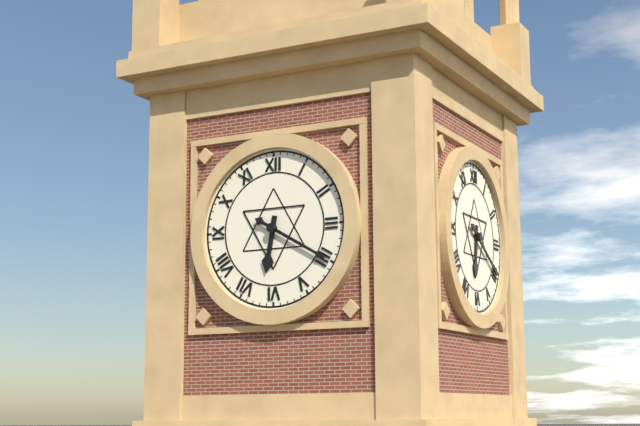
6.20
